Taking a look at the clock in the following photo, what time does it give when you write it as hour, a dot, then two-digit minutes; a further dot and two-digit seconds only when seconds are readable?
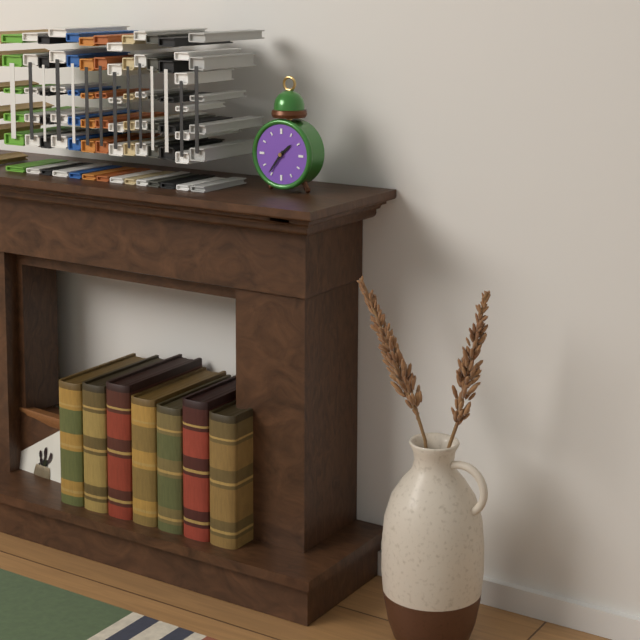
1.36
